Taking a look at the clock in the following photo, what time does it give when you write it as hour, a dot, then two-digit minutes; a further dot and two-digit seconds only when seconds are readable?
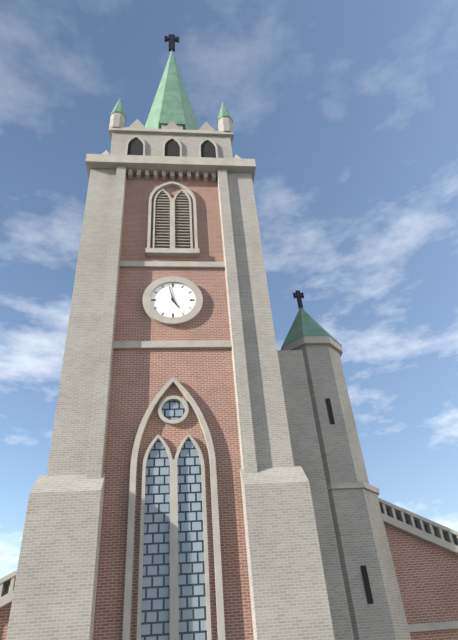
4.58
